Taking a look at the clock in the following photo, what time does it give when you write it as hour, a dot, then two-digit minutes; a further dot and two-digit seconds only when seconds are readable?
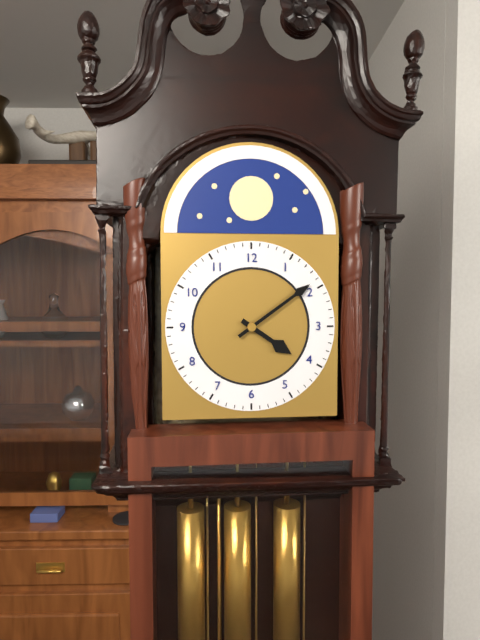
4.09
